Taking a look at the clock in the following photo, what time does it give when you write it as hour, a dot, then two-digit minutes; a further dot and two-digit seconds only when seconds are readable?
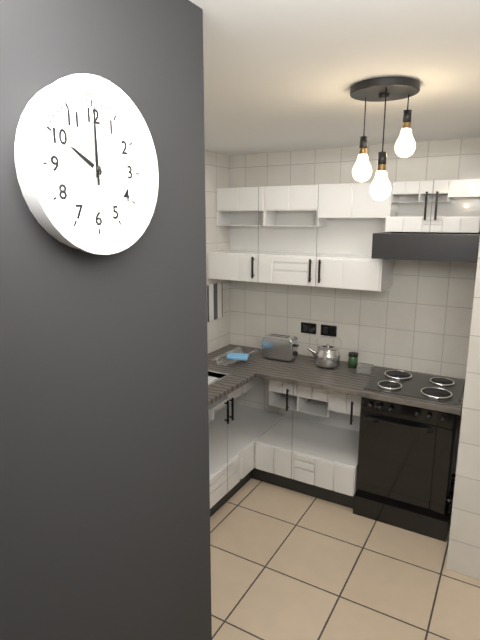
10.00.00
